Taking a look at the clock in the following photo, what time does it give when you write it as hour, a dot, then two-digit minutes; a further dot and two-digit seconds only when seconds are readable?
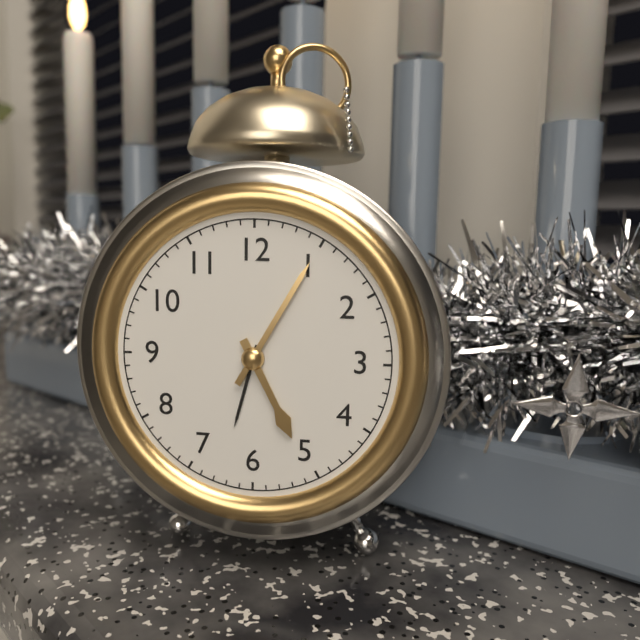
5.05
